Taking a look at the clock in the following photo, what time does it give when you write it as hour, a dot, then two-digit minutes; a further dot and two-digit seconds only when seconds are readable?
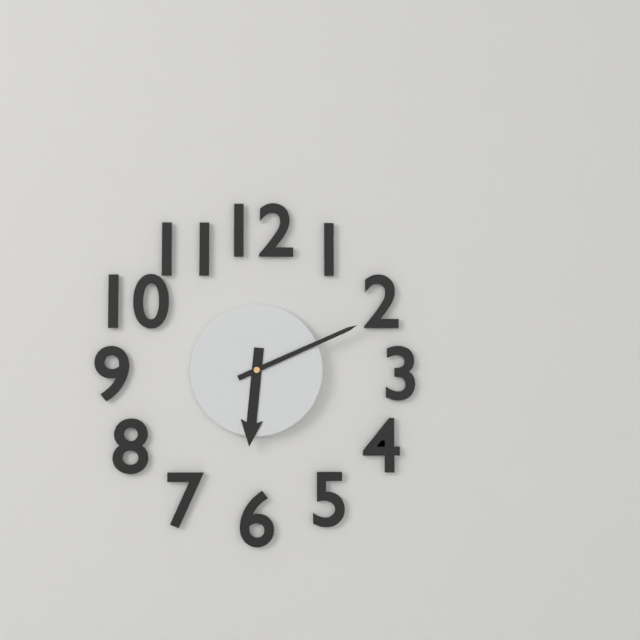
6.11
